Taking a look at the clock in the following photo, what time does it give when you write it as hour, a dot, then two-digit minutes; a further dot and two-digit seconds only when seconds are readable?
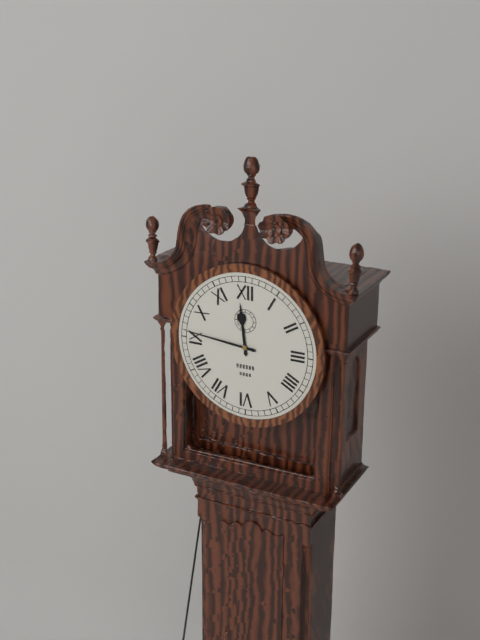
11.46
